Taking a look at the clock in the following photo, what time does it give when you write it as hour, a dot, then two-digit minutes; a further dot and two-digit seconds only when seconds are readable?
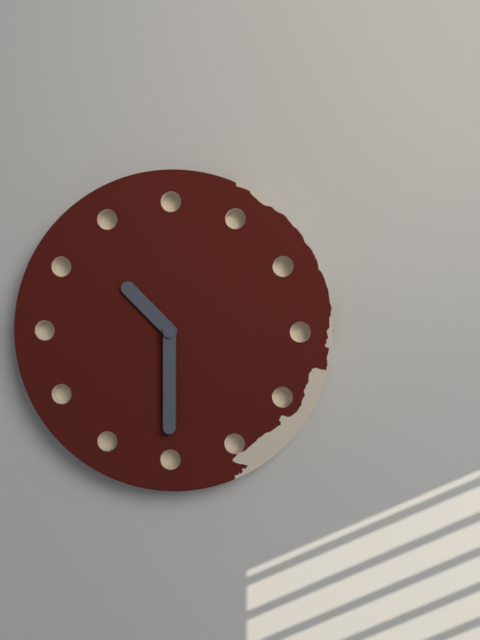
10.30
